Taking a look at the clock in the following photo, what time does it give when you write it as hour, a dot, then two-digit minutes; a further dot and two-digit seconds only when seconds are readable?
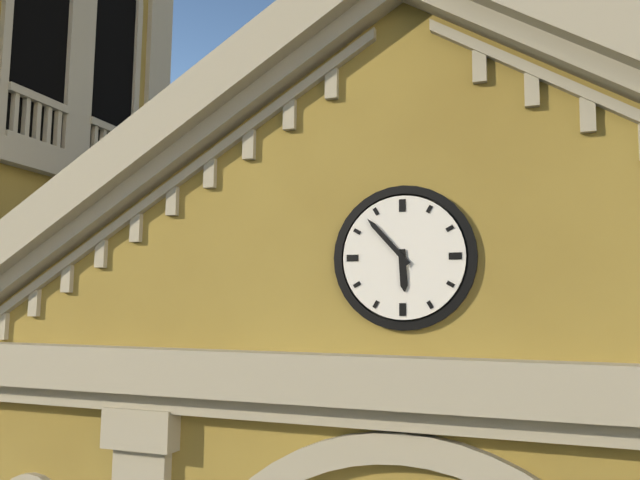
5.53
